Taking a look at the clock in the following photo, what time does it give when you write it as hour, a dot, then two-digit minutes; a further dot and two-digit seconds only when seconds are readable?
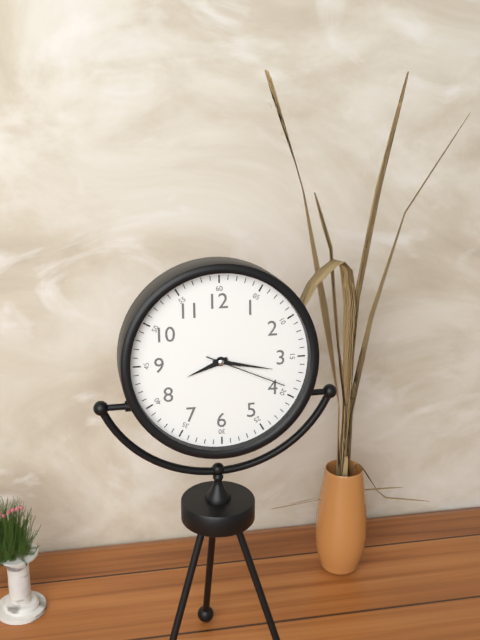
8.17.19
